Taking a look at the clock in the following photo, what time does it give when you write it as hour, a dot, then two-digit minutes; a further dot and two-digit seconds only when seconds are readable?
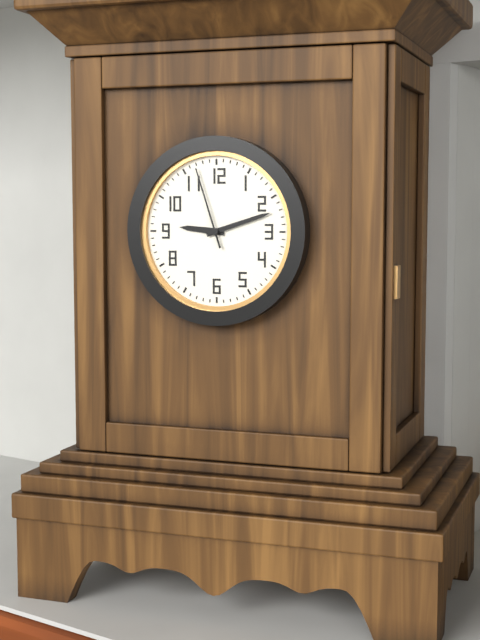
9.12.57
